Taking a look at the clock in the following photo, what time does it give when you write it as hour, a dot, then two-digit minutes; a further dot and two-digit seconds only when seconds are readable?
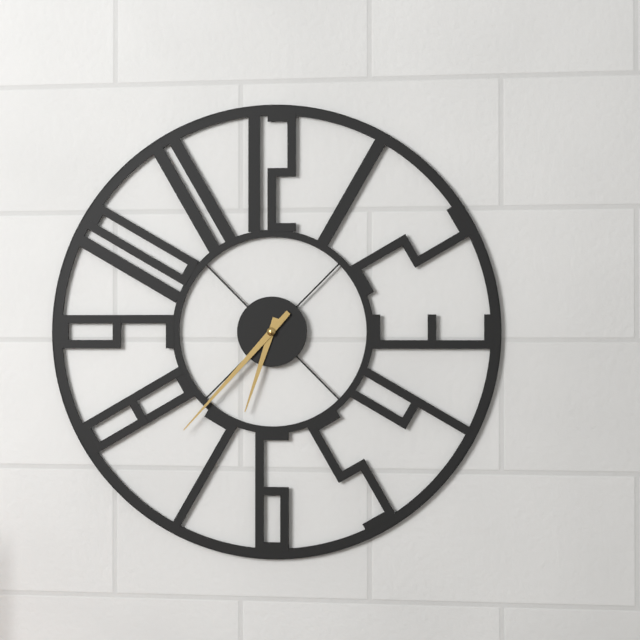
6.37
